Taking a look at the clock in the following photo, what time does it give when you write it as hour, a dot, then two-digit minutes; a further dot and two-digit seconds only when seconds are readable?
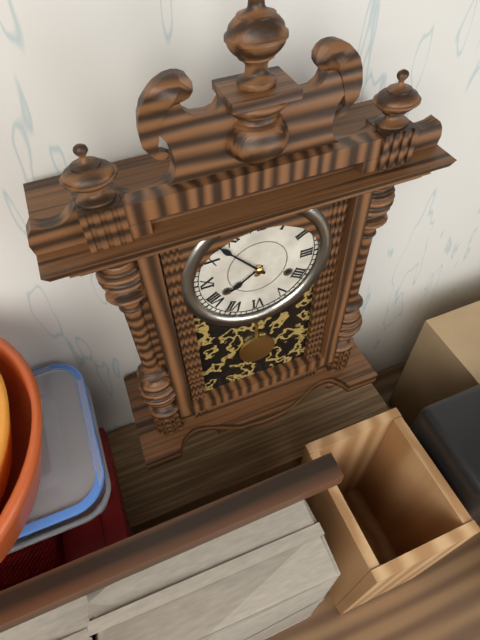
7.53
